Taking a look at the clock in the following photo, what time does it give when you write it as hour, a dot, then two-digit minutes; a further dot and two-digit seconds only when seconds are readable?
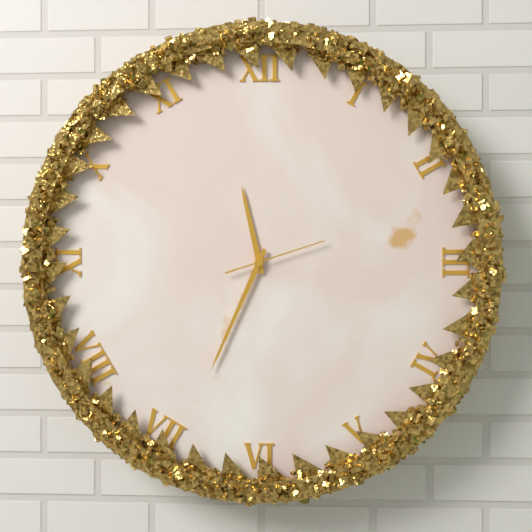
11.34.12
